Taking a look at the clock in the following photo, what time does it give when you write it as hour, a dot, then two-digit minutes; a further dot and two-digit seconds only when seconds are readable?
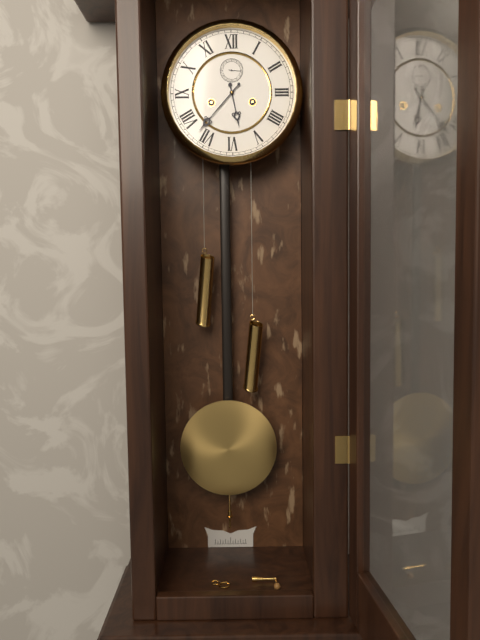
5.37
